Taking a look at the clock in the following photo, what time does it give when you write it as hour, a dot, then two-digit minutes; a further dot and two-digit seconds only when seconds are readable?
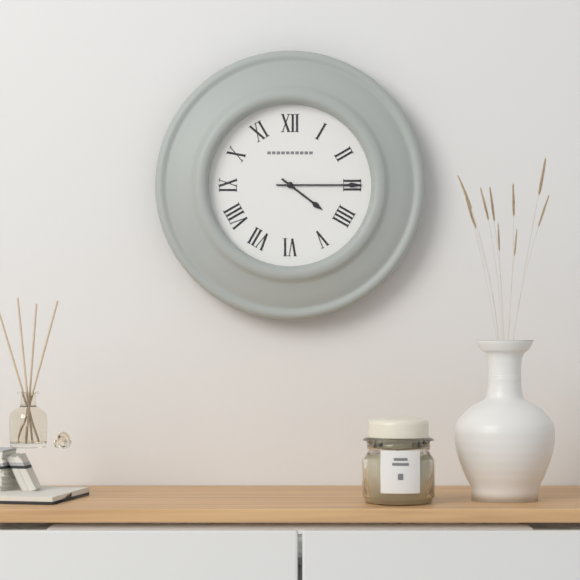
4.15
